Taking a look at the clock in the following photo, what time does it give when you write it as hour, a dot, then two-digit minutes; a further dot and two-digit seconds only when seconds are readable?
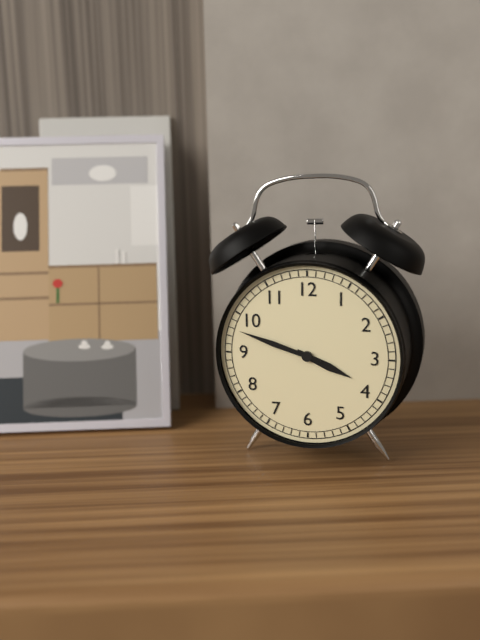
3.48
